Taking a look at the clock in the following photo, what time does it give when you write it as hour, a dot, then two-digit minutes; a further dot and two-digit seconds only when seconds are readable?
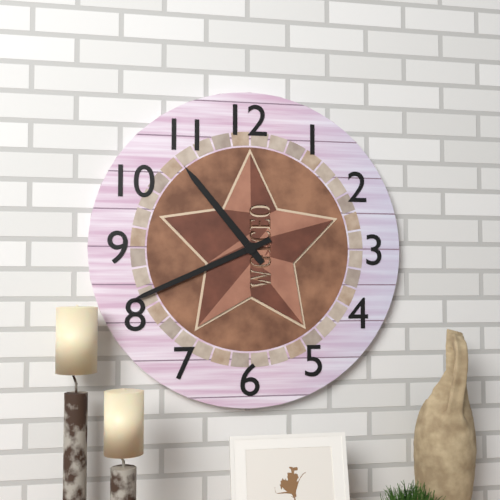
10.41
